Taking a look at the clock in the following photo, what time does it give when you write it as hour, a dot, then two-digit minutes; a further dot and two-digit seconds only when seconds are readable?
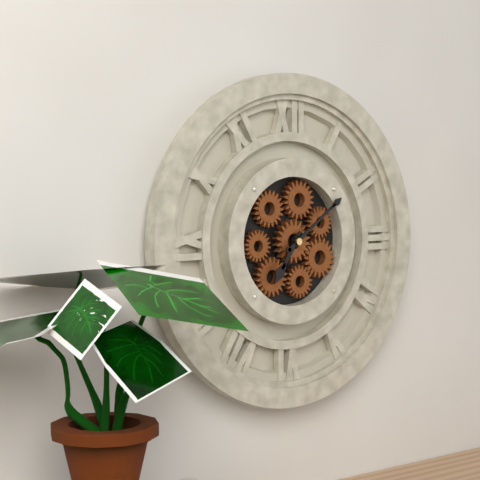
7.09
